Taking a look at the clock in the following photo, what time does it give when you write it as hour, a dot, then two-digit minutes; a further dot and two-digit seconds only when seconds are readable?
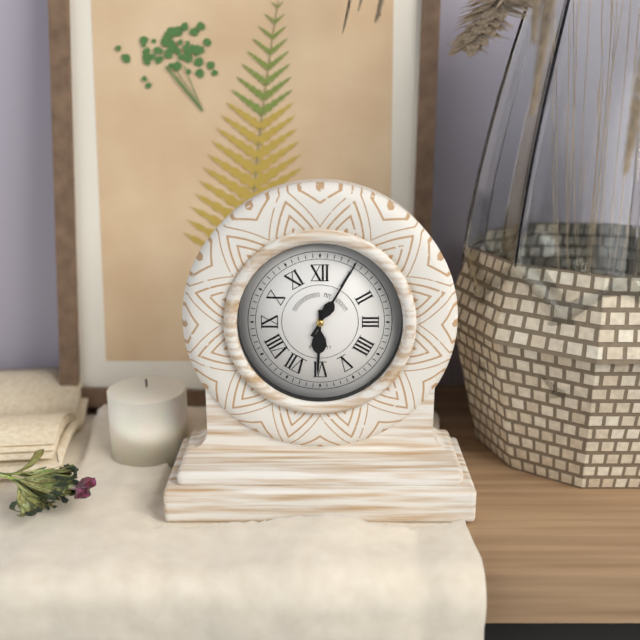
6.05
